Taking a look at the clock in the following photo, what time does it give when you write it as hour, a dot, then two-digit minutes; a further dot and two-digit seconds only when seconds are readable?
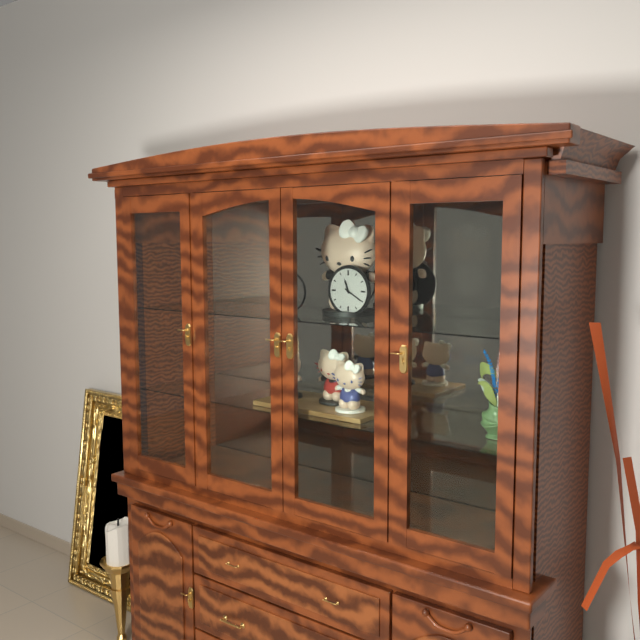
11.20
